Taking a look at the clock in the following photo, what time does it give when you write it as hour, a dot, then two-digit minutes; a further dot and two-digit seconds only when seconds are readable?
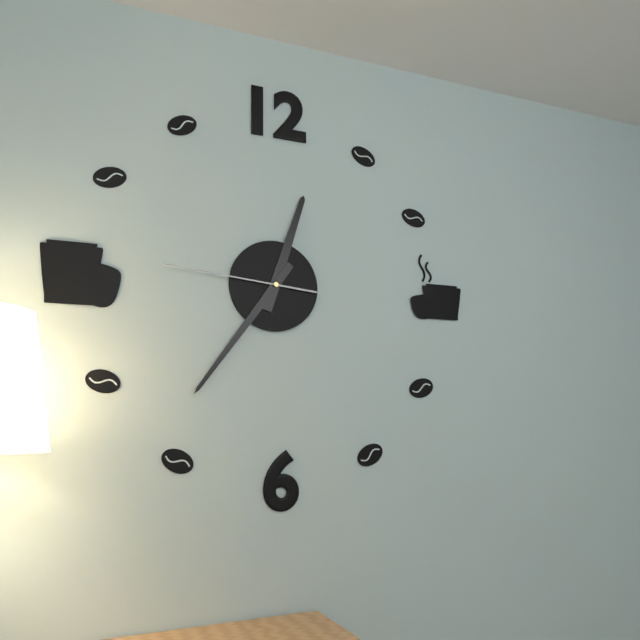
12.36.46
